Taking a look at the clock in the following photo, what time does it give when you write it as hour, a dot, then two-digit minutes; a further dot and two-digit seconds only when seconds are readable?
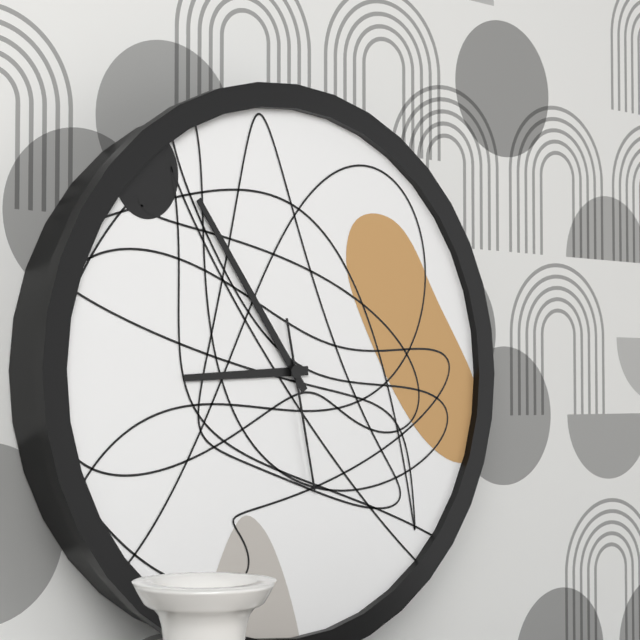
8.54.28
